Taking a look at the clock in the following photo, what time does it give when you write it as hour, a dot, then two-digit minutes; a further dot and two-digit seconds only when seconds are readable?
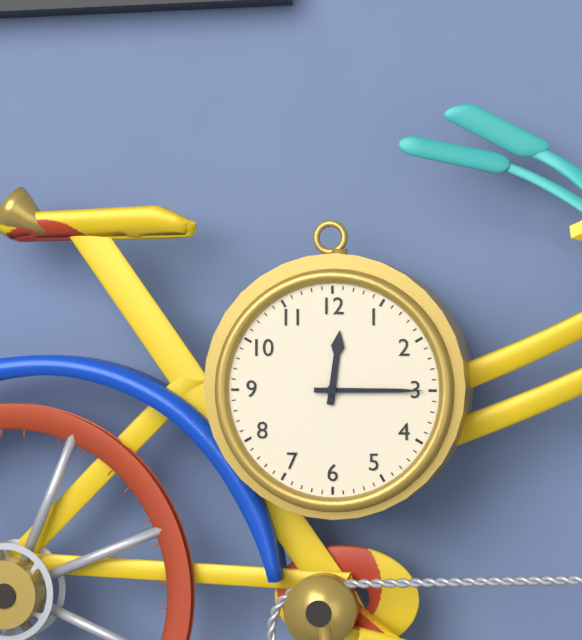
12.15
